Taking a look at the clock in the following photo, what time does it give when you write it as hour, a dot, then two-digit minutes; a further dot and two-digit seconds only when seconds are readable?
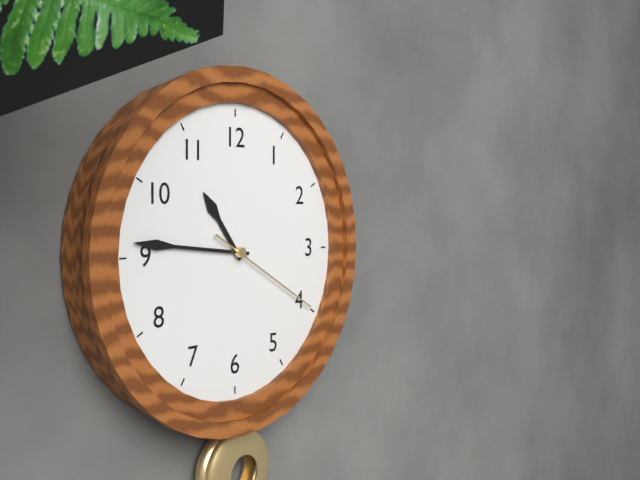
10.46.20
